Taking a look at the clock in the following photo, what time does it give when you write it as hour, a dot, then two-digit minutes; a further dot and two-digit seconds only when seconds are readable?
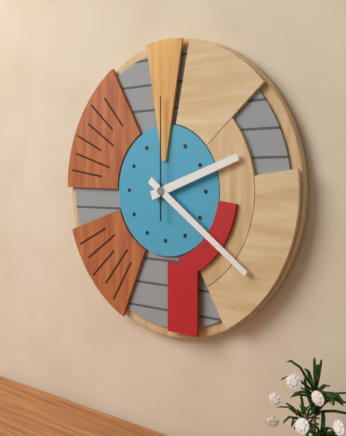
2.21.00
